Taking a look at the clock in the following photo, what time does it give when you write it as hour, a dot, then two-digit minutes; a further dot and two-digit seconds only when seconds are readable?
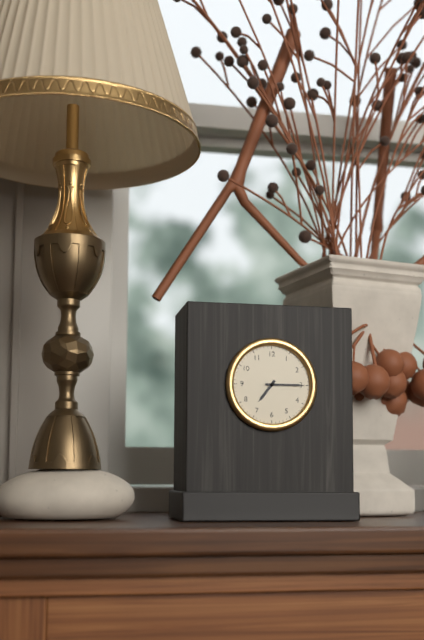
7.15
